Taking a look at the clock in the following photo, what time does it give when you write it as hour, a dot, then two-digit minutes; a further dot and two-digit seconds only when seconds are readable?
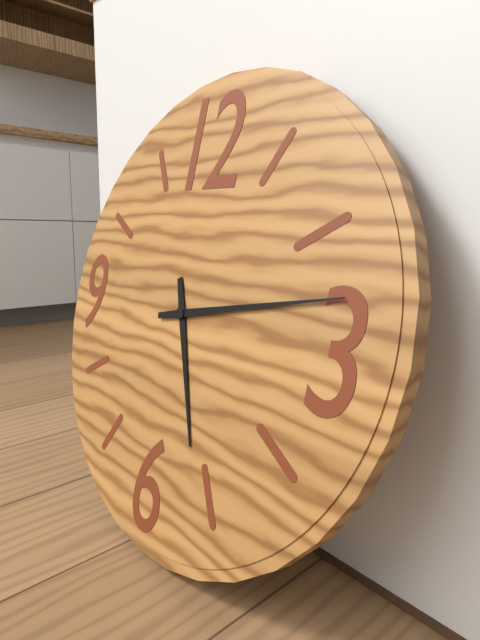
5.13
